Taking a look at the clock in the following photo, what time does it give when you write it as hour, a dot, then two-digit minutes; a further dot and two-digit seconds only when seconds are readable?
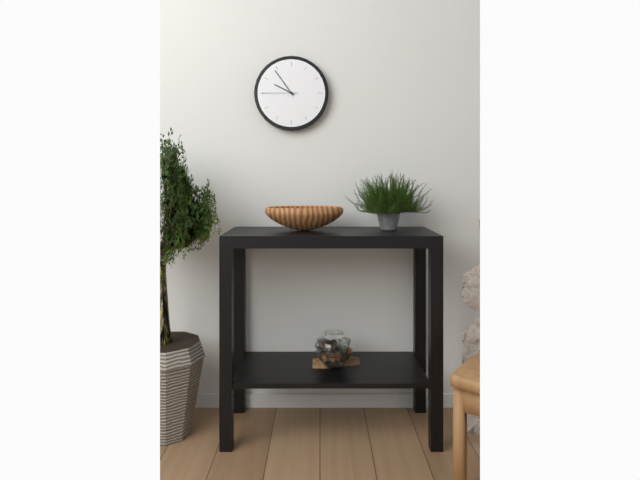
9.54
